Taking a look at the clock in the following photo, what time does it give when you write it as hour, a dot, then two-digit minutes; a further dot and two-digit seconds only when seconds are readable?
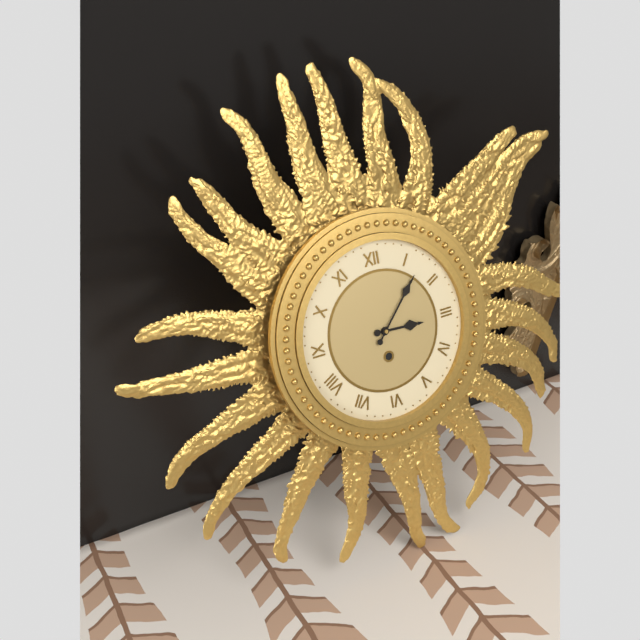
3.07
